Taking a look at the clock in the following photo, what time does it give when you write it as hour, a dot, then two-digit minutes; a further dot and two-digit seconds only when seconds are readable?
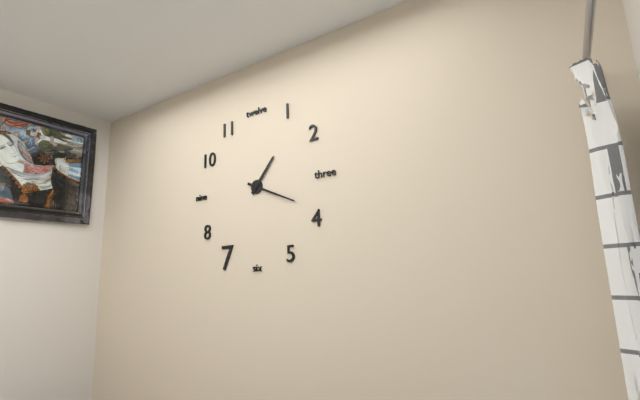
1.19
